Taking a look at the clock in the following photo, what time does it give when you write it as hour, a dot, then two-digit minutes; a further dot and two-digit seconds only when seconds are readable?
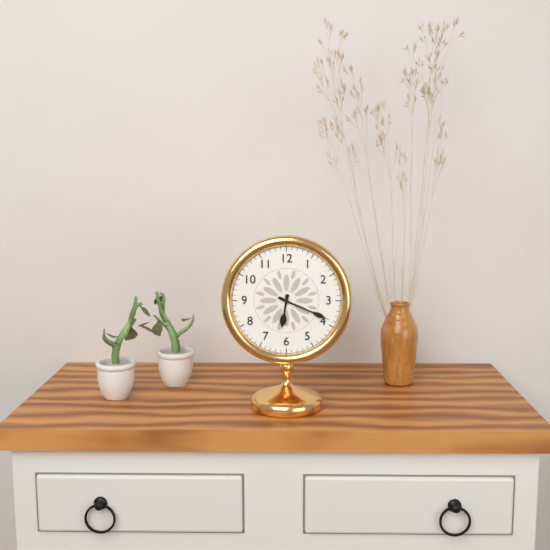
6.19
